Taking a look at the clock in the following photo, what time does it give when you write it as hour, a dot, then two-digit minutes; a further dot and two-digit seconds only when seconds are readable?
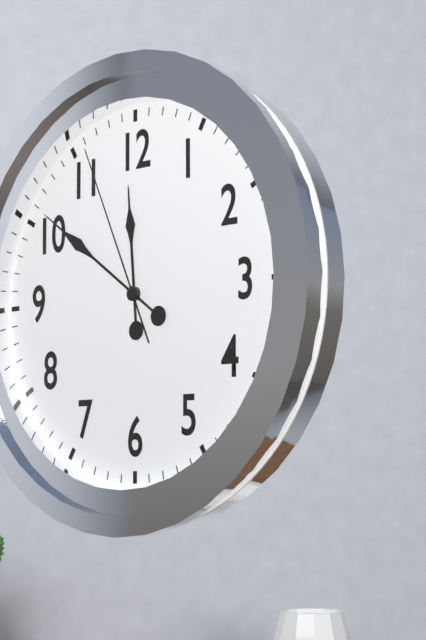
11.51.56
